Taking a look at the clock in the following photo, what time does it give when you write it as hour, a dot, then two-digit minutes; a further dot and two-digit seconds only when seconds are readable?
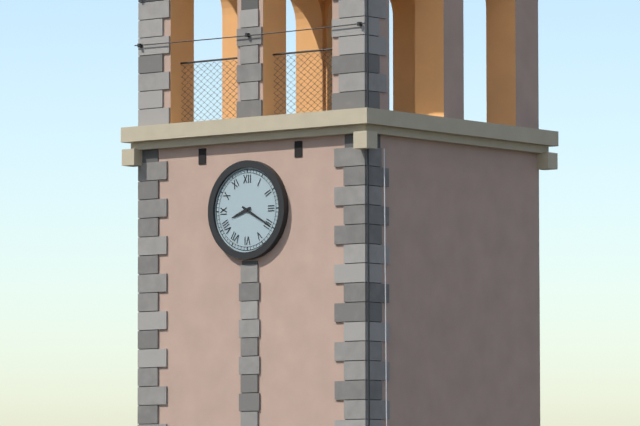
8.20
